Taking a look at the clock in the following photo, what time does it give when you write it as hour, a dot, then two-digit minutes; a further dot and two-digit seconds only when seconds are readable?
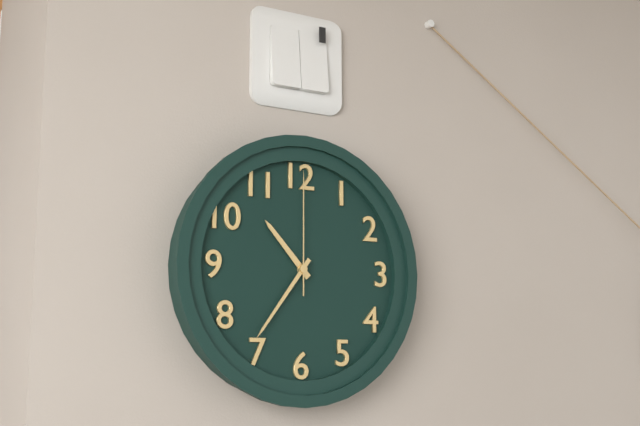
10.36.00
